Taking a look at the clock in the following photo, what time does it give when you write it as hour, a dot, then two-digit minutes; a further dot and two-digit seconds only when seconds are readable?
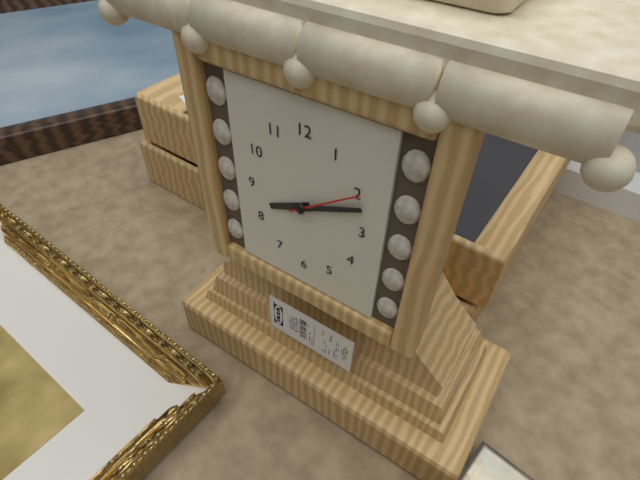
8.11.09
